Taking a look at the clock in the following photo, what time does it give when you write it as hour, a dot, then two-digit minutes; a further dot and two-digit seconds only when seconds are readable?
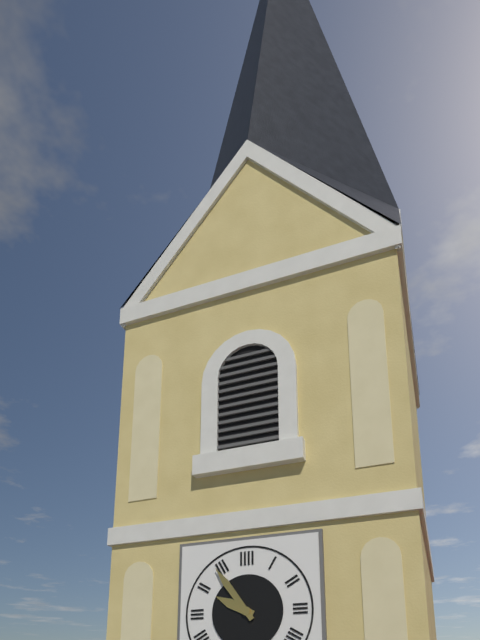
9.54
